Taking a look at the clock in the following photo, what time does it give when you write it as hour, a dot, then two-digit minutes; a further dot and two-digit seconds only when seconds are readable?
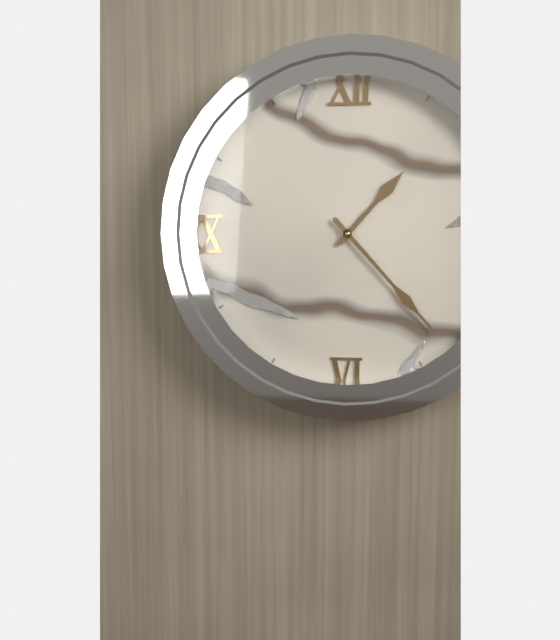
1.23
